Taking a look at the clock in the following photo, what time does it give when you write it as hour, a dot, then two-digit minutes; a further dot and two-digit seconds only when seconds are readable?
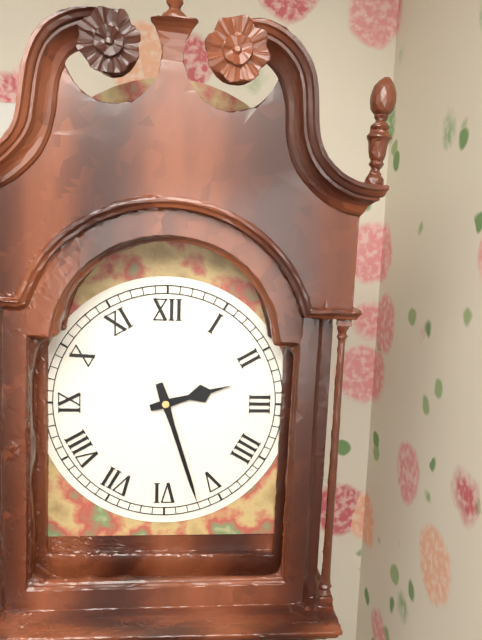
2.27
